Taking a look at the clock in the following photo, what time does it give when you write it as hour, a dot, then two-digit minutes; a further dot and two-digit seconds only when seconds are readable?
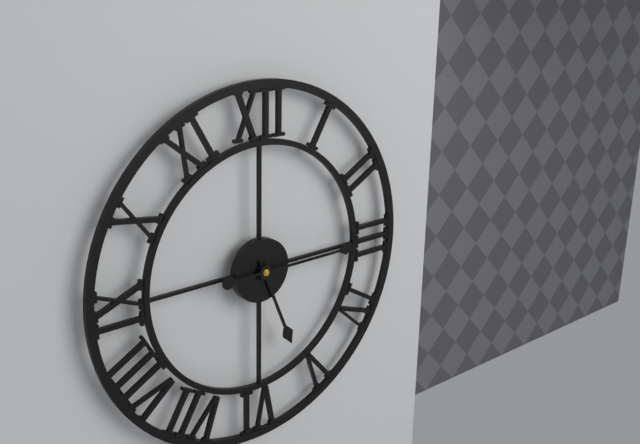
5.15
